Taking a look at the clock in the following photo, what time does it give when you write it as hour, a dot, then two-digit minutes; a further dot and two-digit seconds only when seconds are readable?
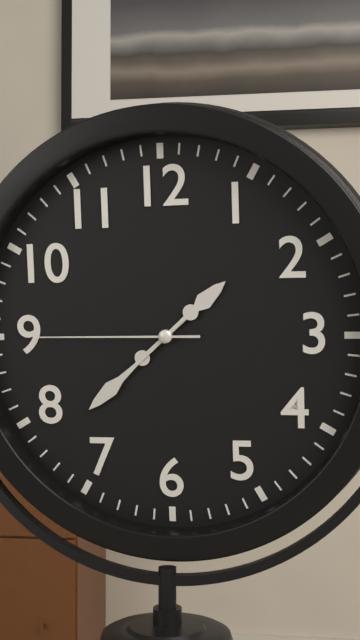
1.38.45
